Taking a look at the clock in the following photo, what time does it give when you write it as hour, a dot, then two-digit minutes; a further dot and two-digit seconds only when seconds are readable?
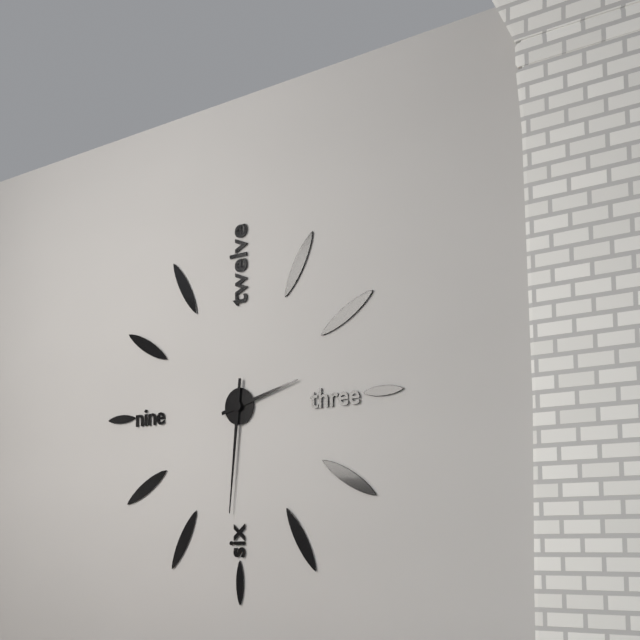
2.31
